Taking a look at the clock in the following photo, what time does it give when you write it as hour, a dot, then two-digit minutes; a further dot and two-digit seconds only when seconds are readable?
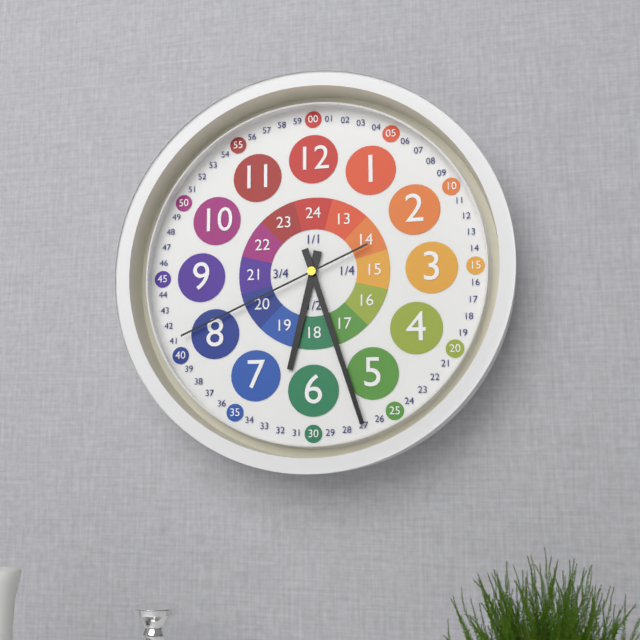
6.27.41
